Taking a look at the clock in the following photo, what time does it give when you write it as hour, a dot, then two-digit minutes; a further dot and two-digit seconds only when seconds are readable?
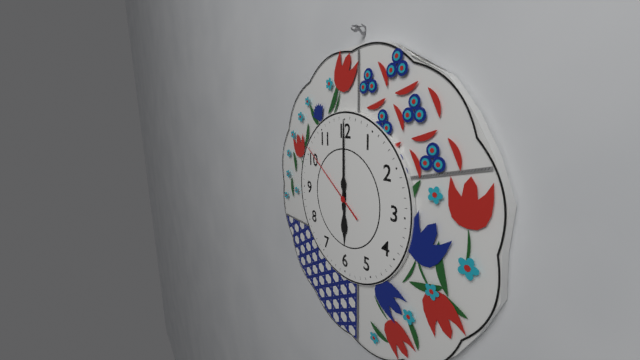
6.00.51
